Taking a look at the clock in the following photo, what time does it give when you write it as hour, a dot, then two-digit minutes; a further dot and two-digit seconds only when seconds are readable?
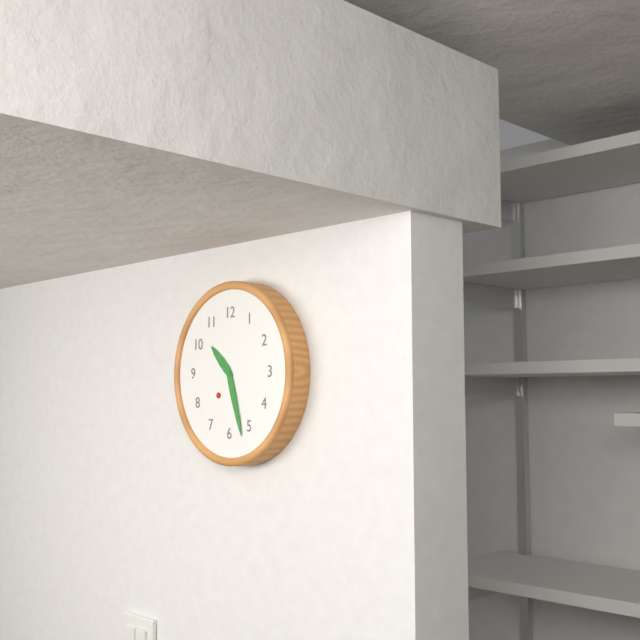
10.27
